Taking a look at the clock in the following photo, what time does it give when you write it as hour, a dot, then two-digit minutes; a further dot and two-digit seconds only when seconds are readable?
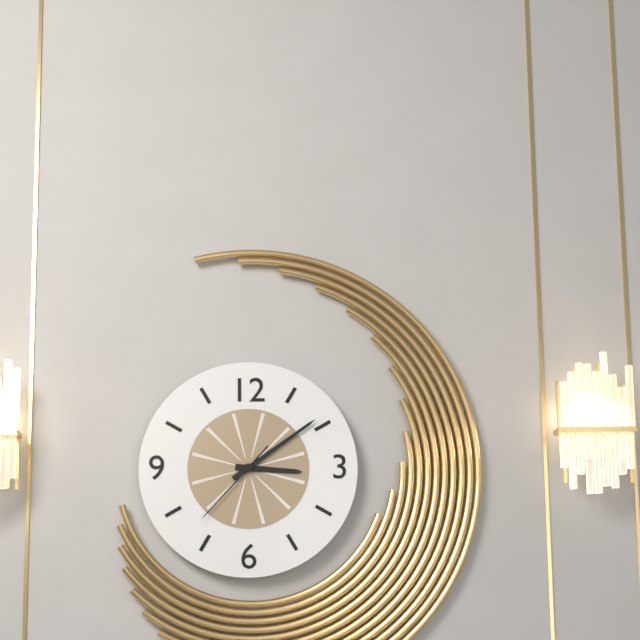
3.09.37
